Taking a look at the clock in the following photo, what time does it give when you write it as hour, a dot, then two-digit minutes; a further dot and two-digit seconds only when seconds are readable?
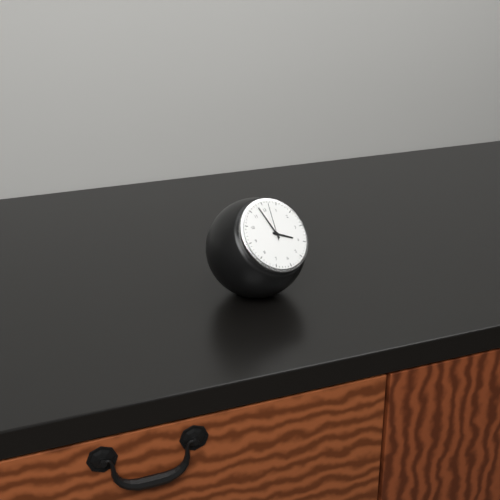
3.58
